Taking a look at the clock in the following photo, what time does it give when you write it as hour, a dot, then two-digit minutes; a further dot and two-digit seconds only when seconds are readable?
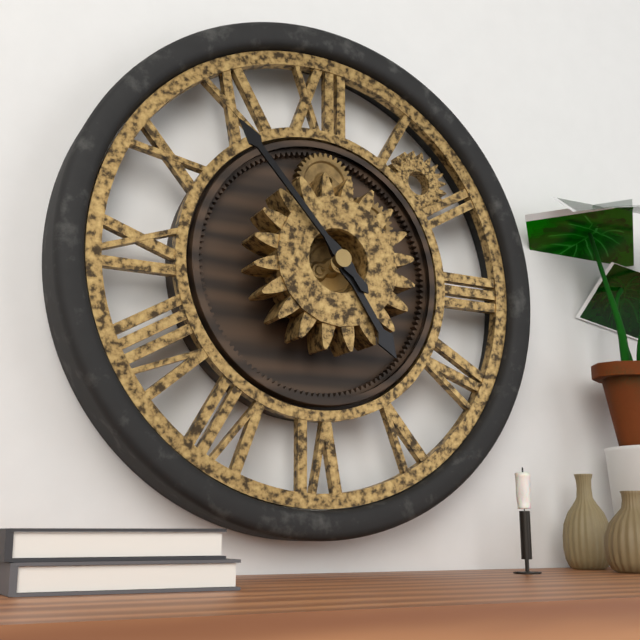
4.53
